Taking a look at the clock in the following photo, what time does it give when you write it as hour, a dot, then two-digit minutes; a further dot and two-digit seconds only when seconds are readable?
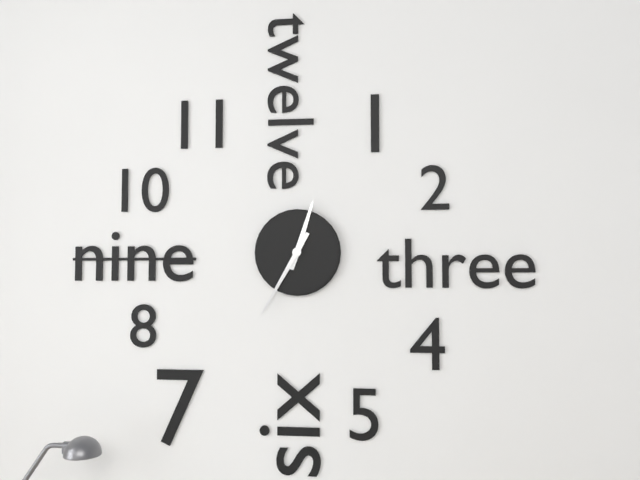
12.35
